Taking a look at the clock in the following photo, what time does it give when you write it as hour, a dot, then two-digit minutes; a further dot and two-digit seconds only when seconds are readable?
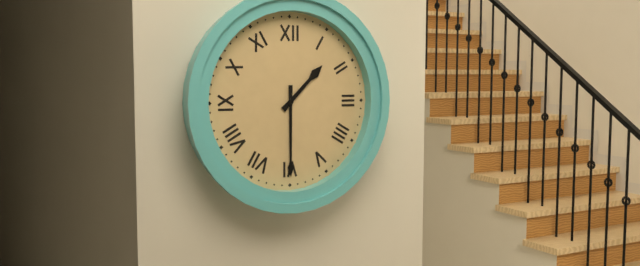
1.30
